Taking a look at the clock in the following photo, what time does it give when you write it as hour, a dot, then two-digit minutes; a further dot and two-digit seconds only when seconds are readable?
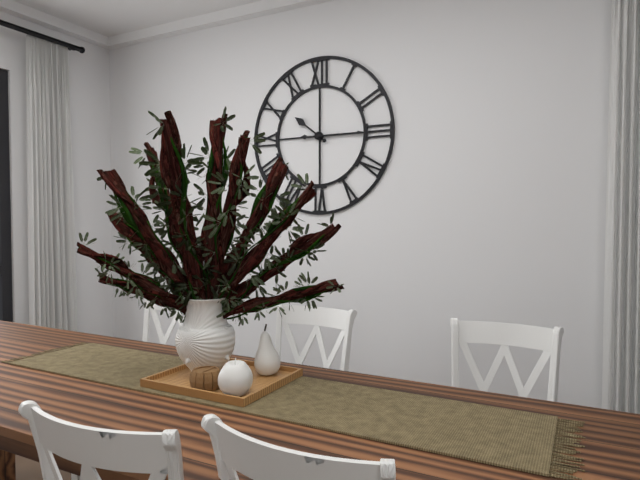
10.15
